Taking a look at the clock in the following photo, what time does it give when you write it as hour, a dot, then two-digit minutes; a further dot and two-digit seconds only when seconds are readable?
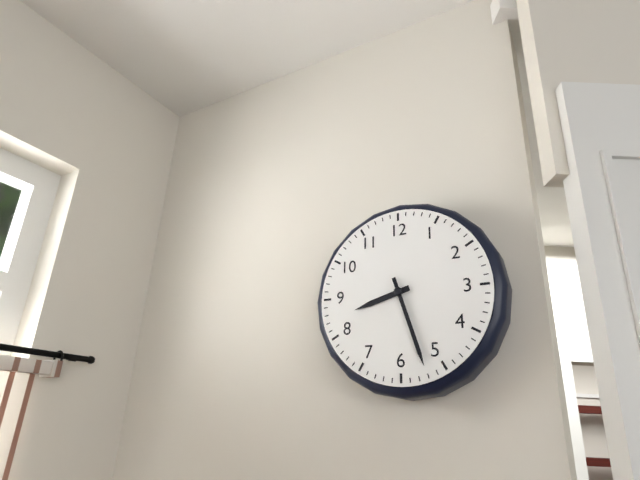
8.27
